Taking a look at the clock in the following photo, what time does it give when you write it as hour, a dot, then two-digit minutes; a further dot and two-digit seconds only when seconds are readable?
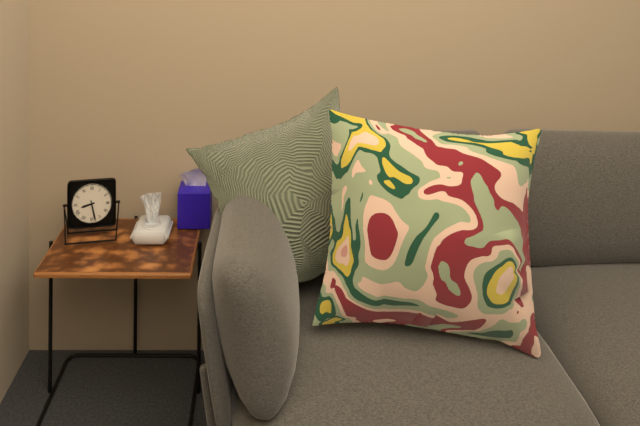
8.28
